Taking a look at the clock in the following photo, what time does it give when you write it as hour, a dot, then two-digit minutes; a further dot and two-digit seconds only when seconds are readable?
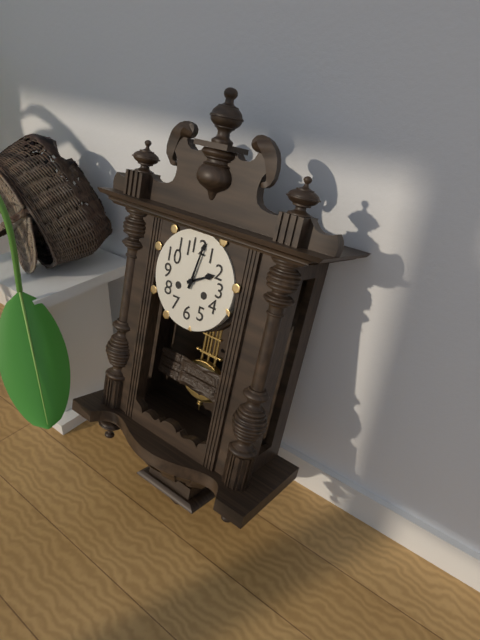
2.02
